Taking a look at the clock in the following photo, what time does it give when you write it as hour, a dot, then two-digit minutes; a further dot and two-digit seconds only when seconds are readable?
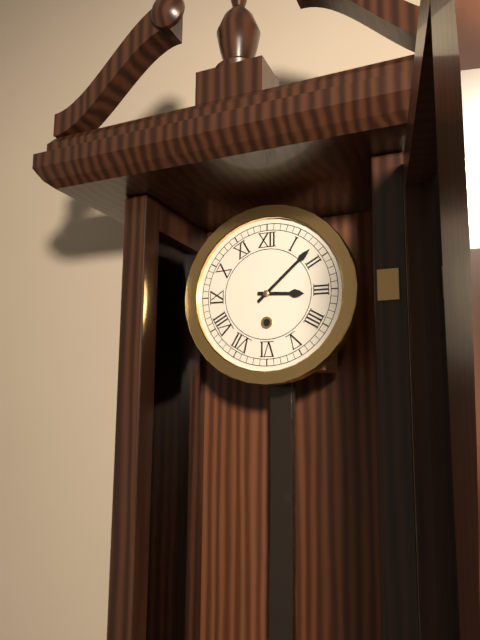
3.08
